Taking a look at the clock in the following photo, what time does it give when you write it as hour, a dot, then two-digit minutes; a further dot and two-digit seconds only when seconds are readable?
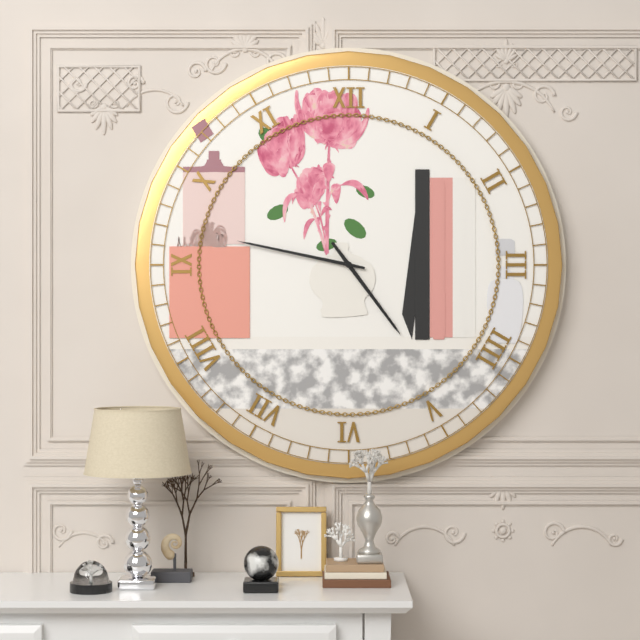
4.47
